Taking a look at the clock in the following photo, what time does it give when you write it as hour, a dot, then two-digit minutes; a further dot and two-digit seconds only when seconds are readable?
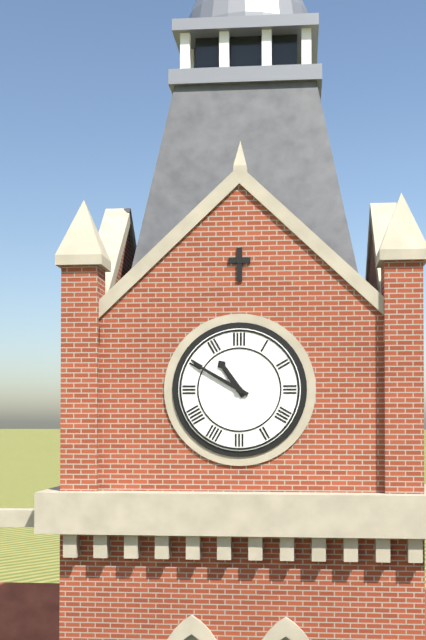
10.50
